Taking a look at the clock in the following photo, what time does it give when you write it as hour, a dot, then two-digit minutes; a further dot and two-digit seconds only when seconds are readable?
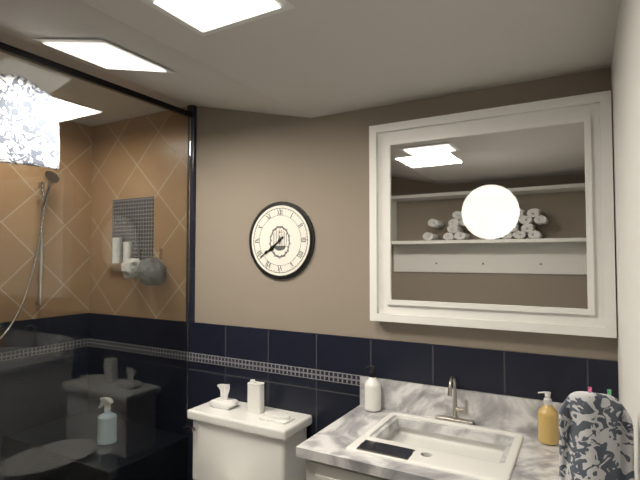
7.39
